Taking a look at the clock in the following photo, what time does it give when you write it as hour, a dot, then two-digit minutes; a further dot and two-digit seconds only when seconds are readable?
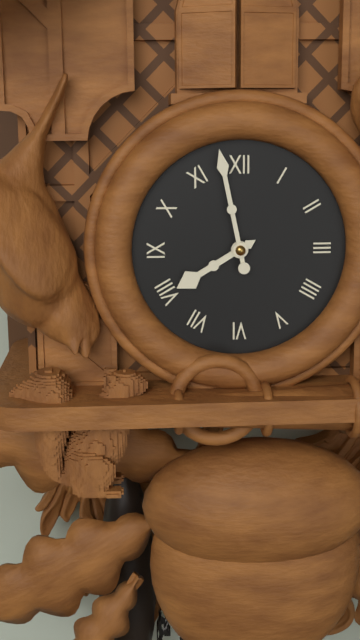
7.58
